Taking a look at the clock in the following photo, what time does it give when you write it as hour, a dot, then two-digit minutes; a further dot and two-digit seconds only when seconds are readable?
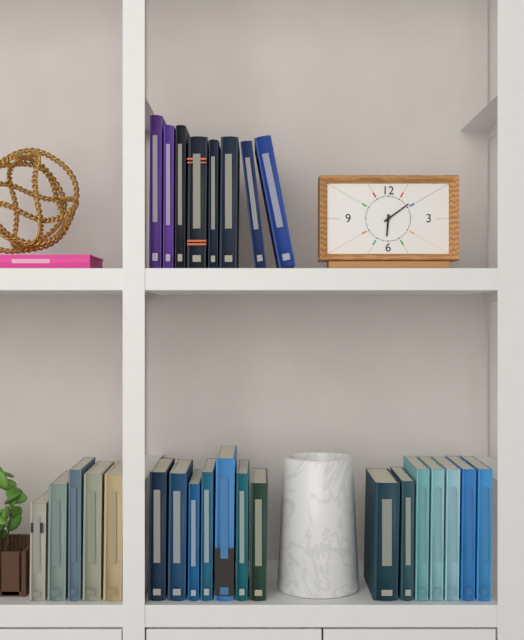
6.09
